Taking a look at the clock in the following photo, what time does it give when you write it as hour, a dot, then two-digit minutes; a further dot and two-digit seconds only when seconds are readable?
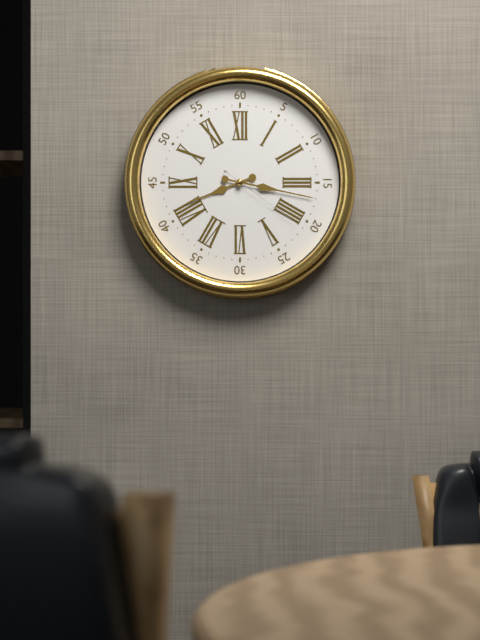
8.17.21
